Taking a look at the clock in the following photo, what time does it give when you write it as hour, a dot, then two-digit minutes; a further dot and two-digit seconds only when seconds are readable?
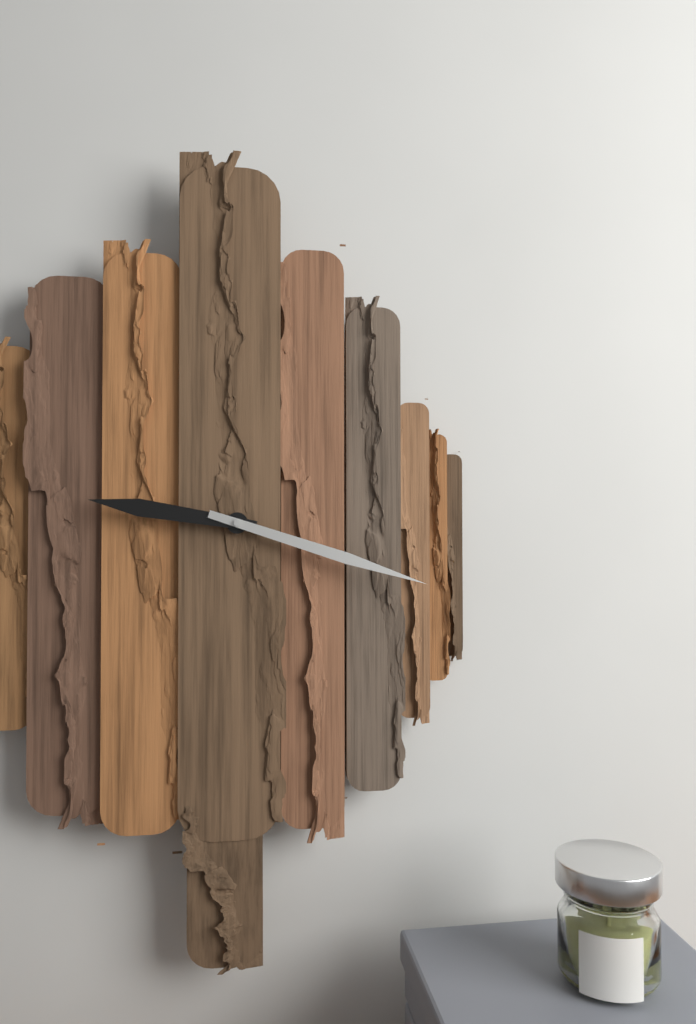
9.18
